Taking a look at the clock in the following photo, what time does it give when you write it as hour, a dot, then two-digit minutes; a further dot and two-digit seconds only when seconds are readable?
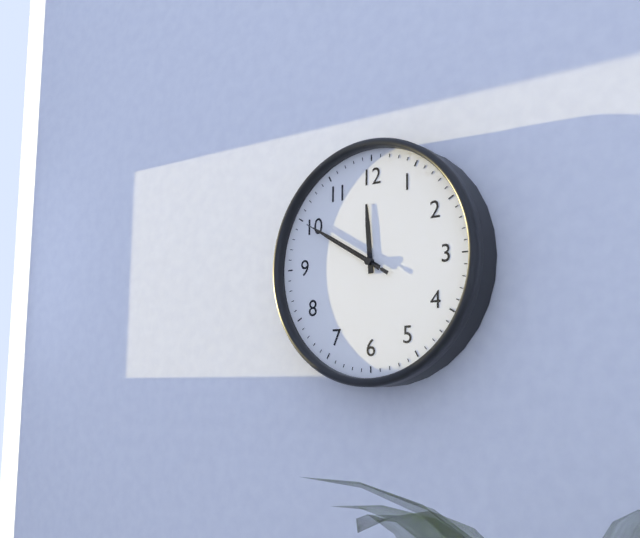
11.50.50
